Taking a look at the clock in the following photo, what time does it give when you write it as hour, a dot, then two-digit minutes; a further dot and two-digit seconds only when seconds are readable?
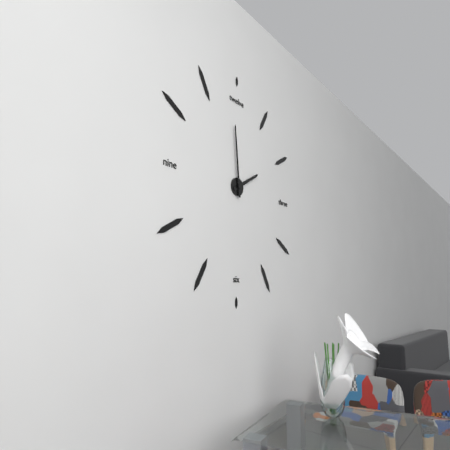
1.59
